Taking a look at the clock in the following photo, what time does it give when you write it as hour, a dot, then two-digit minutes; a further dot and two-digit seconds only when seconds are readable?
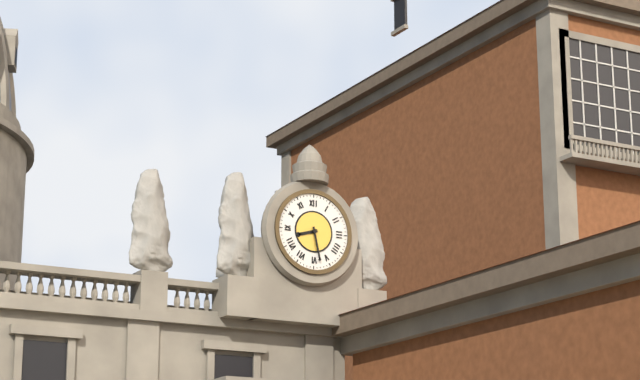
8.28
